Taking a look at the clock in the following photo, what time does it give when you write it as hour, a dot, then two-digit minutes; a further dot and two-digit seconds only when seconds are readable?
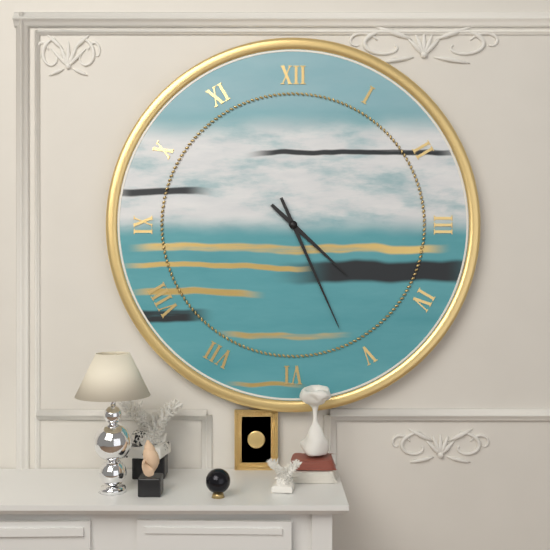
4.26
